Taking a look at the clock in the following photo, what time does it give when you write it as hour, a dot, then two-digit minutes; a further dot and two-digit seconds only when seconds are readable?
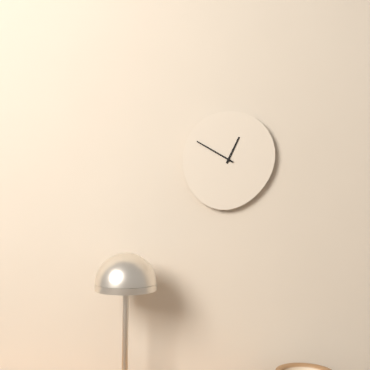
12.50
